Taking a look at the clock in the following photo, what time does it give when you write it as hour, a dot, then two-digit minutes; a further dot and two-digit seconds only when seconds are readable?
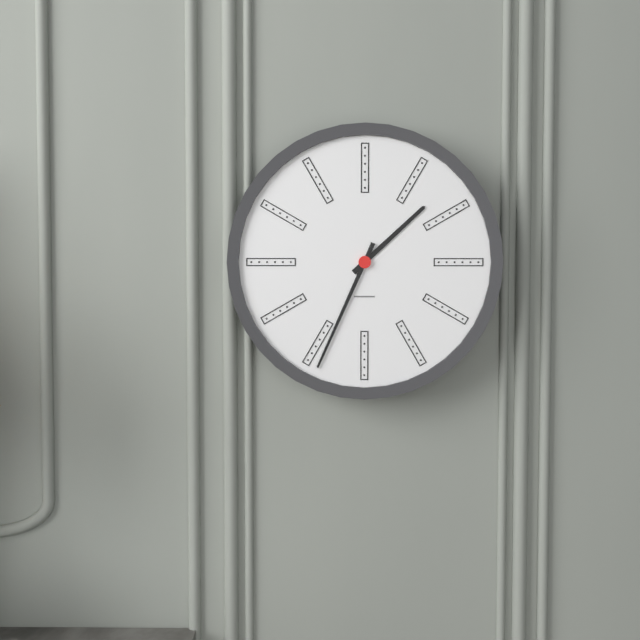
1.34
